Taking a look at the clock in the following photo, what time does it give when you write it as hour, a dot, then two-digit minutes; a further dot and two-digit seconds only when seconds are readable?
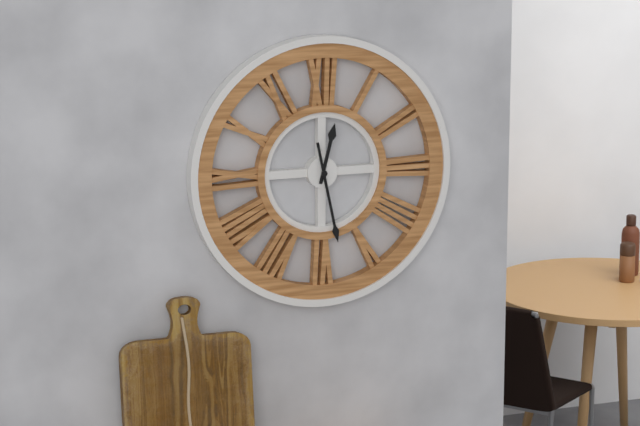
12.28
